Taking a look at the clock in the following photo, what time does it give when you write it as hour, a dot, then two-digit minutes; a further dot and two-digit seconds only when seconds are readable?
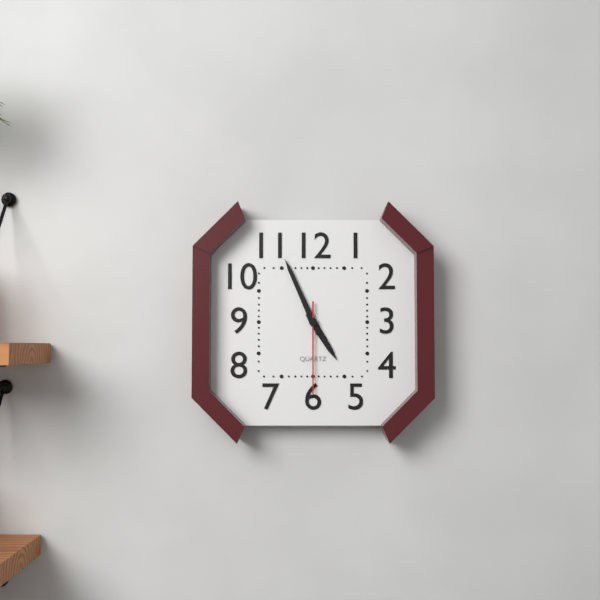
4.56.30
